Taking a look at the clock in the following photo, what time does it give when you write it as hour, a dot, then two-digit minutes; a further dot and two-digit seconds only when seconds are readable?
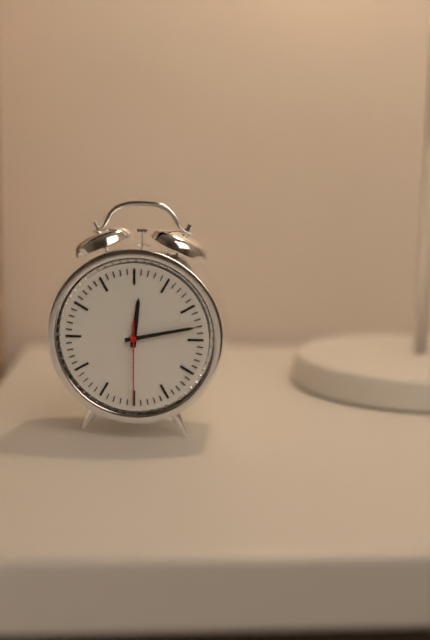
12.13.30
